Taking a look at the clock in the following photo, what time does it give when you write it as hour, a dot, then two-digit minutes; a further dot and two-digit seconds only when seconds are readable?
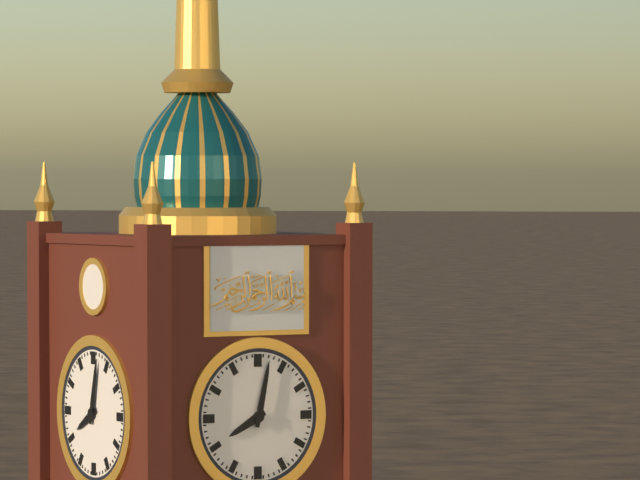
8.02
